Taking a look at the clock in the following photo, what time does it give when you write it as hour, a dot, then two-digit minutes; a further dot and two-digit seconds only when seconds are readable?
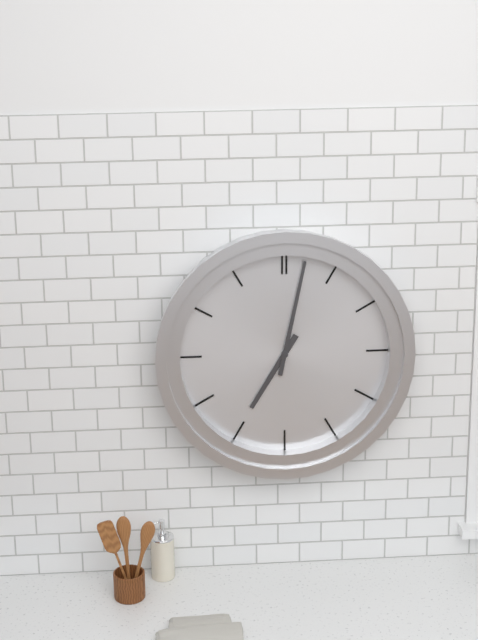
7.02
